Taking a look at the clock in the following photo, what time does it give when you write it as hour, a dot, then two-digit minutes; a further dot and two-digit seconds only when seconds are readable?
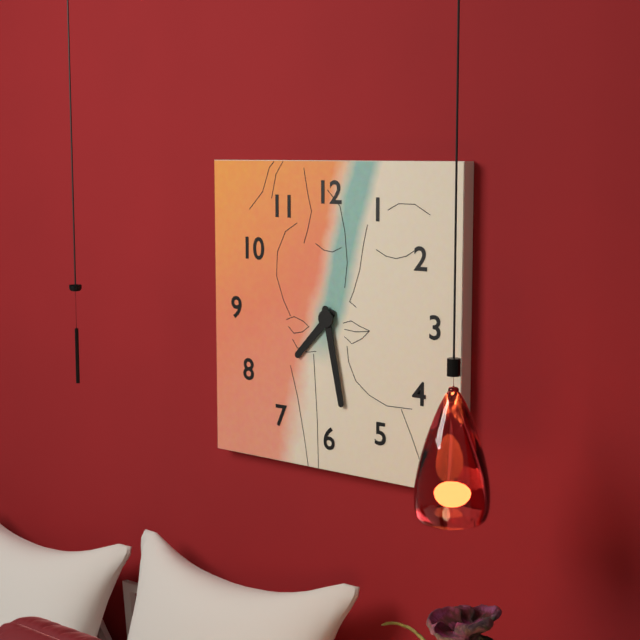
7.28
